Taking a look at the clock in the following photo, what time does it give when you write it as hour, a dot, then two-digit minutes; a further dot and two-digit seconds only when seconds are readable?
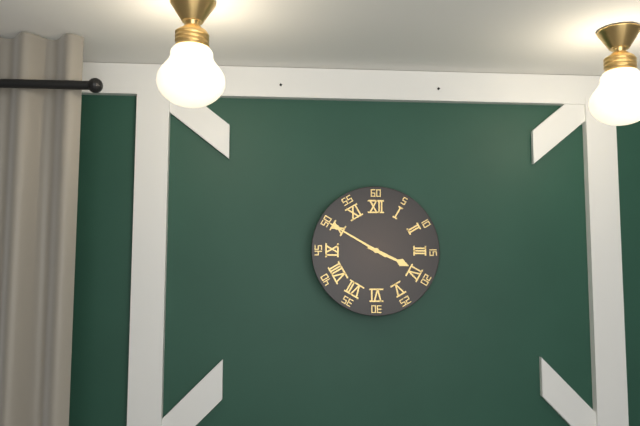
3.50
